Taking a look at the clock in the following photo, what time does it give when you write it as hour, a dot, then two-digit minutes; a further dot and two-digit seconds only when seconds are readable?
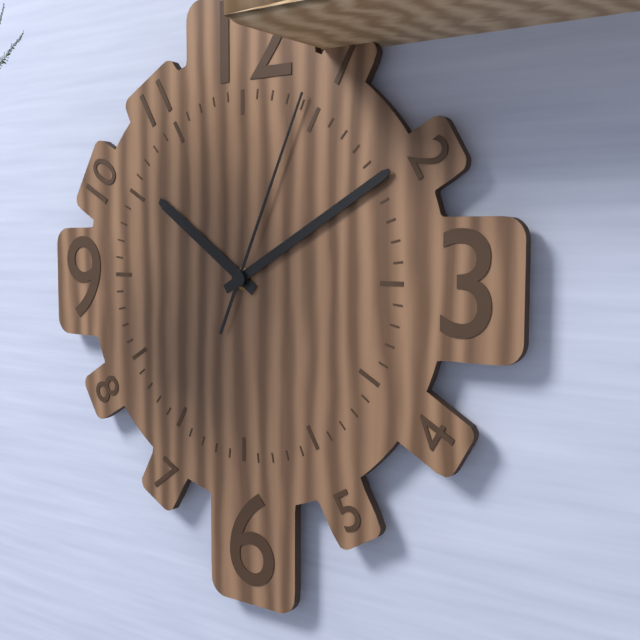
10.10.04
